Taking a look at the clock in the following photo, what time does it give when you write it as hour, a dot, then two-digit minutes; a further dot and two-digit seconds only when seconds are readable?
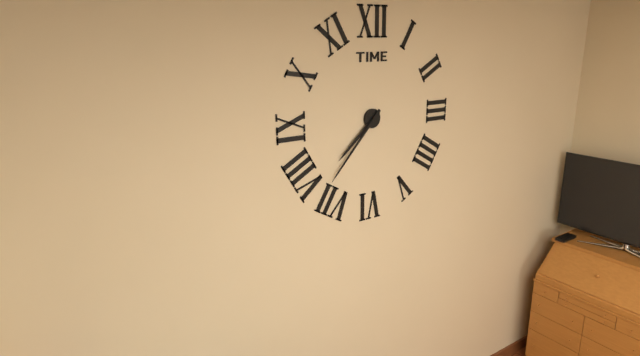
7.37
